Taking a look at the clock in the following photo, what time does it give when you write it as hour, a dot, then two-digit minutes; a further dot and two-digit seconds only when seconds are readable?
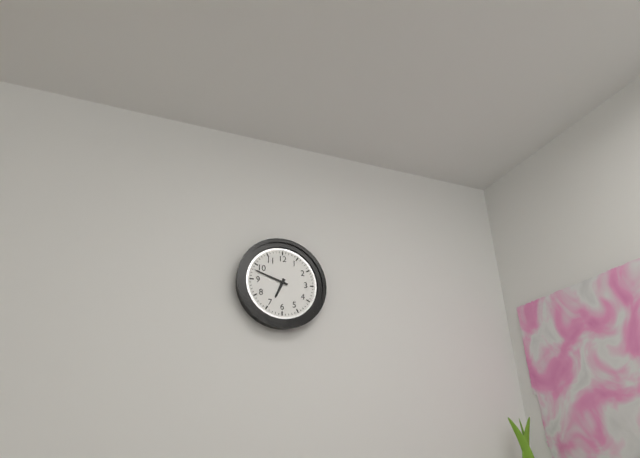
6.48
